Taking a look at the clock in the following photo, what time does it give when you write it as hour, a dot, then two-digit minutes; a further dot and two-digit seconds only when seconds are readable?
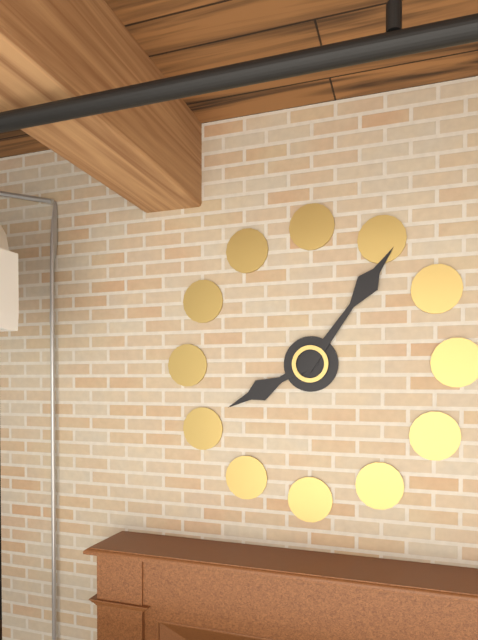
8.06
